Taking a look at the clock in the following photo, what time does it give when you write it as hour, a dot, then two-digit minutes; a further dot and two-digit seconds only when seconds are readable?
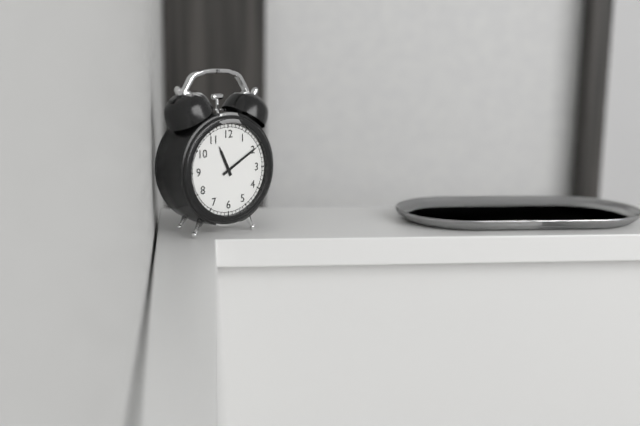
11.10
